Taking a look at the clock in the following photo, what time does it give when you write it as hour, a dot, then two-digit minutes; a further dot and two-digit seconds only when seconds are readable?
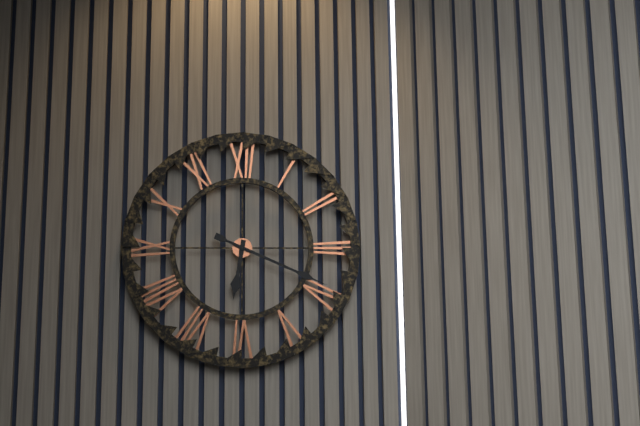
6.19
